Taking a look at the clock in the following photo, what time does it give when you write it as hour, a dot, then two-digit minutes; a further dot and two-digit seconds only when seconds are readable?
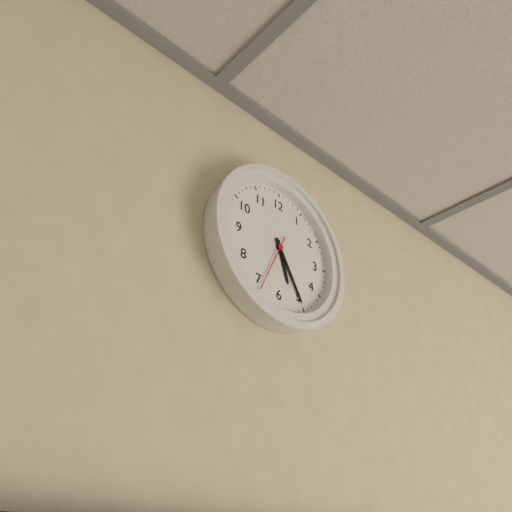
5.25.34
